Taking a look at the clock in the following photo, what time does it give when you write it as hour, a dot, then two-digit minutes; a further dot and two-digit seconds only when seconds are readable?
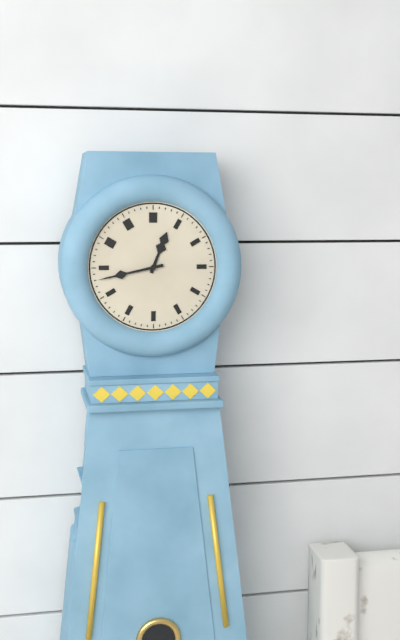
12.43
